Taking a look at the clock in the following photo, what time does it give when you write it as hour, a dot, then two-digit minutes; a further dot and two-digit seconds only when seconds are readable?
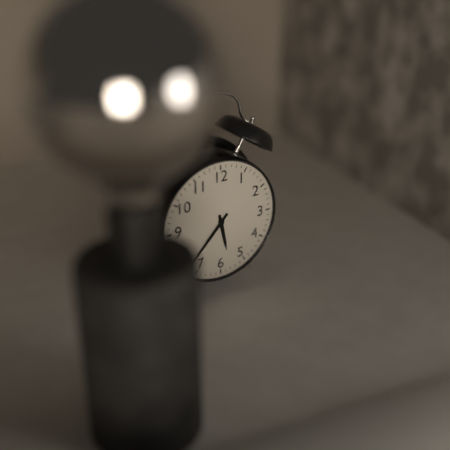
5.37
